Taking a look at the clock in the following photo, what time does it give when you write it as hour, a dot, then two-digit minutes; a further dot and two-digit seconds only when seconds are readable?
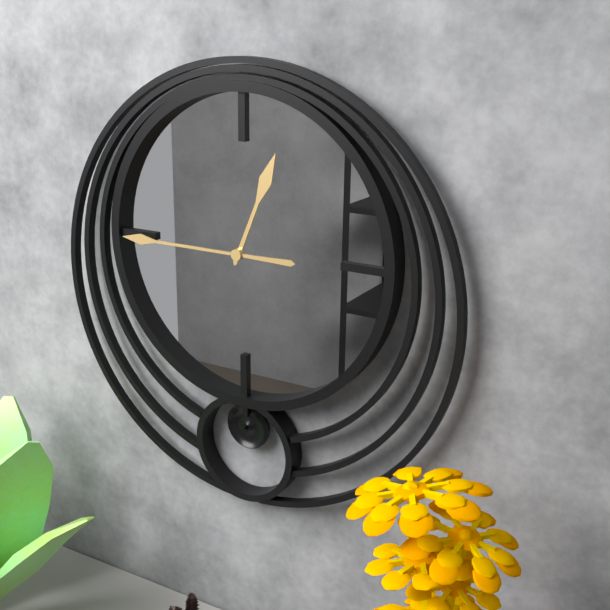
12.45
